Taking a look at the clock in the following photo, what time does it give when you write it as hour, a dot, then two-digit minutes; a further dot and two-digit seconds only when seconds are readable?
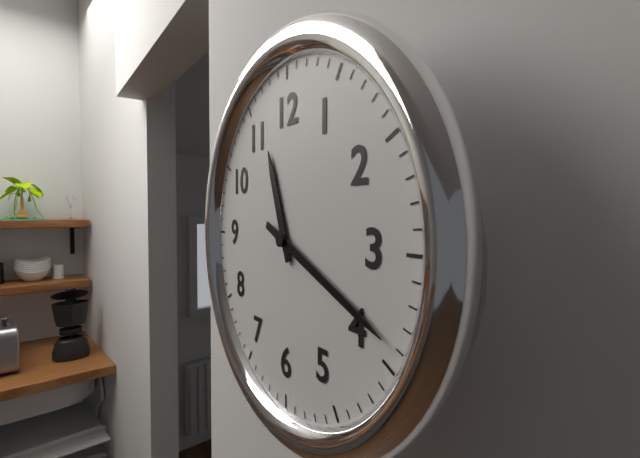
11.19
